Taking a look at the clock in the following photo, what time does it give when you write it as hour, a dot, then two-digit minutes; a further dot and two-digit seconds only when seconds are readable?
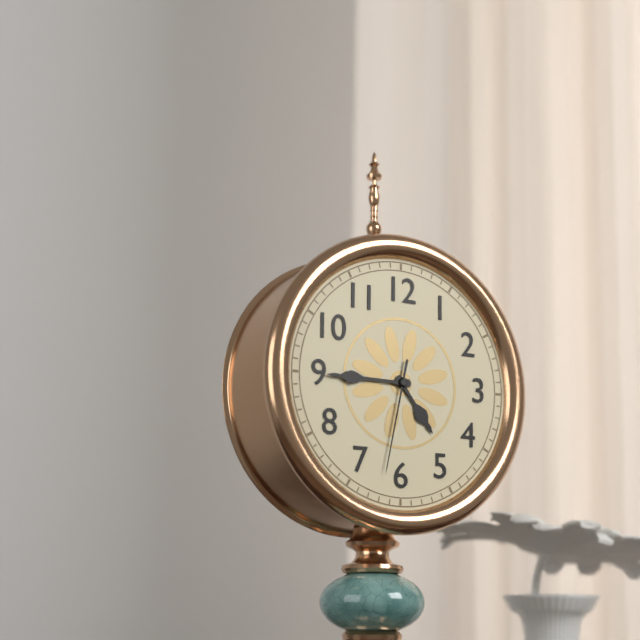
4.45.32
